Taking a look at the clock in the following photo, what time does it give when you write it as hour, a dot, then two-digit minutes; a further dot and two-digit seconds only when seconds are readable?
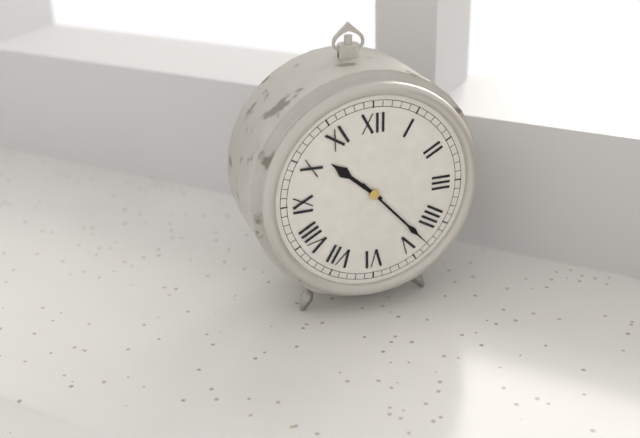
10.23
